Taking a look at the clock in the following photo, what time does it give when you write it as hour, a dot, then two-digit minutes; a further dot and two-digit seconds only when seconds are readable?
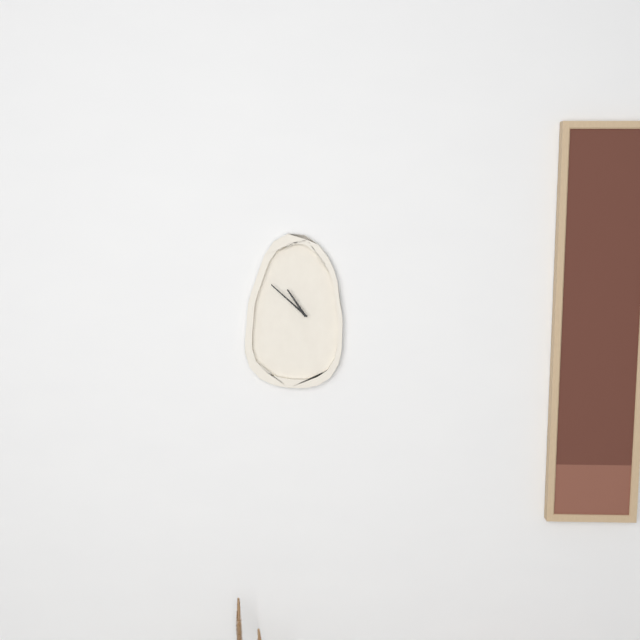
10.52
